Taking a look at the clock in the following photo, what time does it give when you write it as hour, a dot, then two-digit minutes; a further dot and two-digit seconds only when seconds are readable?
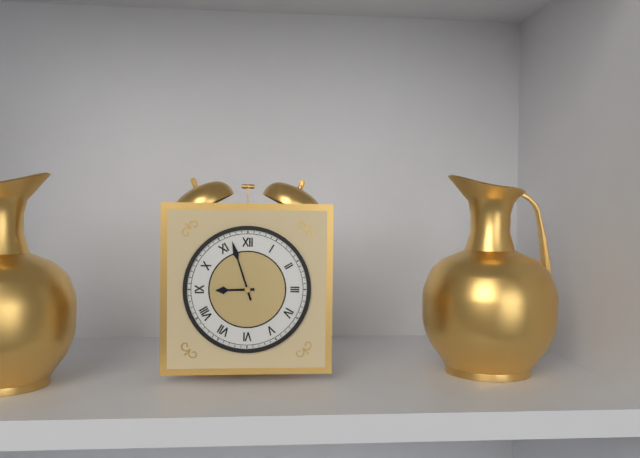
8.57
